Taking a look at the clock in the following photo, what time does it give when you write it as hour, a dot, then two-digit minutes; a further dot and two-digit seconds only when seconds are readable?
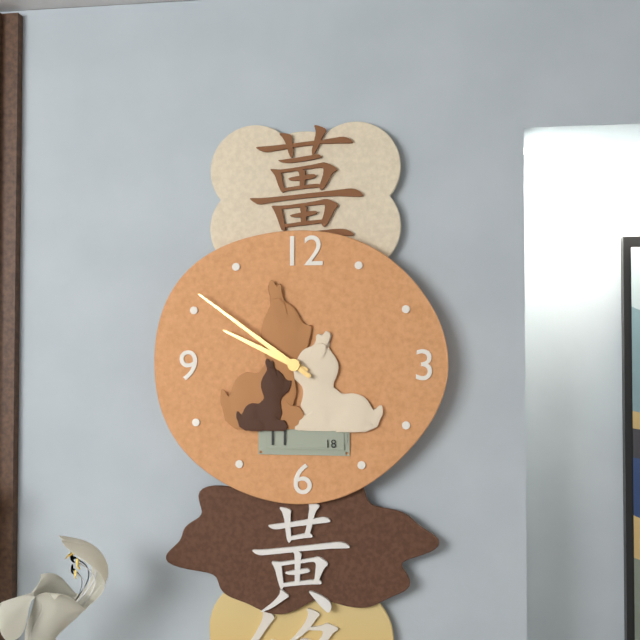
9.51
